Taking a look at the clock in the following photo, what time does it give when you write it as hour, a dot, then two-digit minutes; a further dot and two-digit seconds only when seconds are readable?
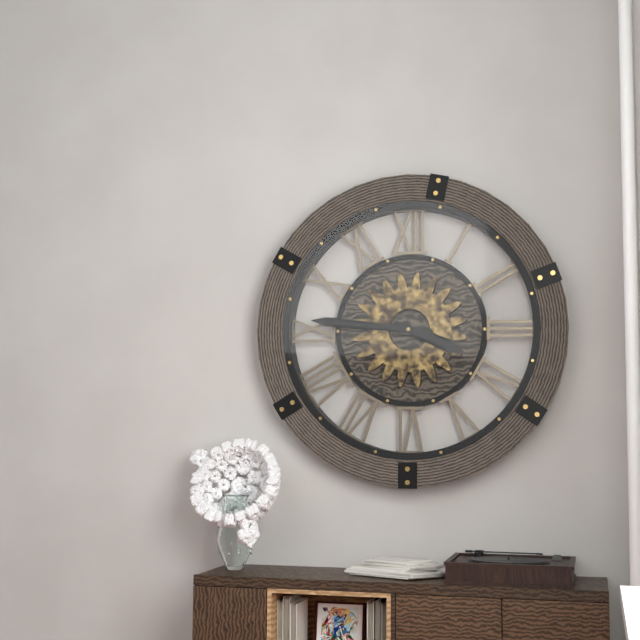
3.46
